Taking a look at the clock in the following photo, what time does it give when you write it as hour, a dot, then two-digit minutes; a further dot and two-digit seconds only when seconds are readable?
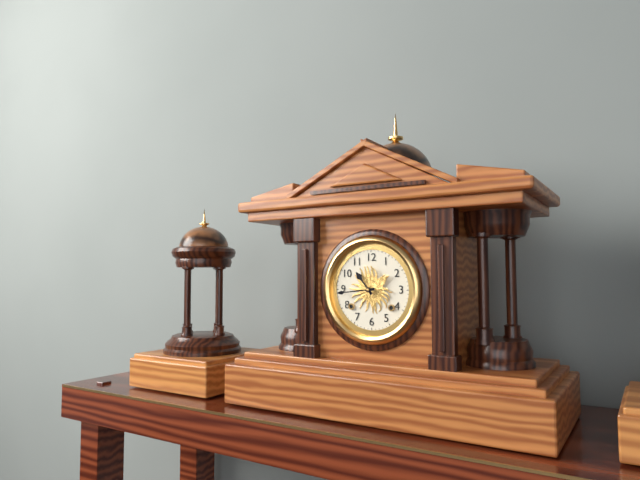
10.44
